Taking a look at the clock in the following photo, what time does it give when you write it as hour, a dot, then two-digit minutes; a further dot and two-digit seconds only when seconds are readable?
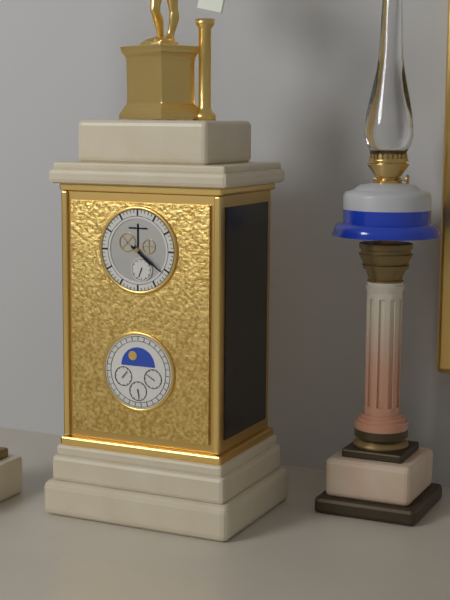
4.21
